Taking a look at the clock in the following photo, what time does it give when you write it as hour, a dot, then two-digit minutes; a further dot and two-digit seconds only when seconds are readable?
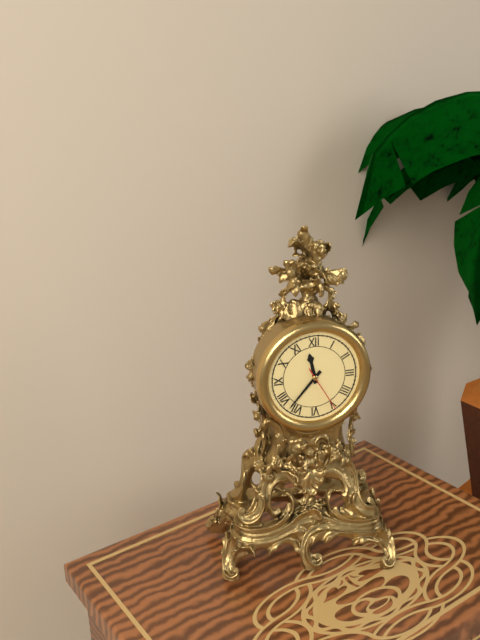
11.37
